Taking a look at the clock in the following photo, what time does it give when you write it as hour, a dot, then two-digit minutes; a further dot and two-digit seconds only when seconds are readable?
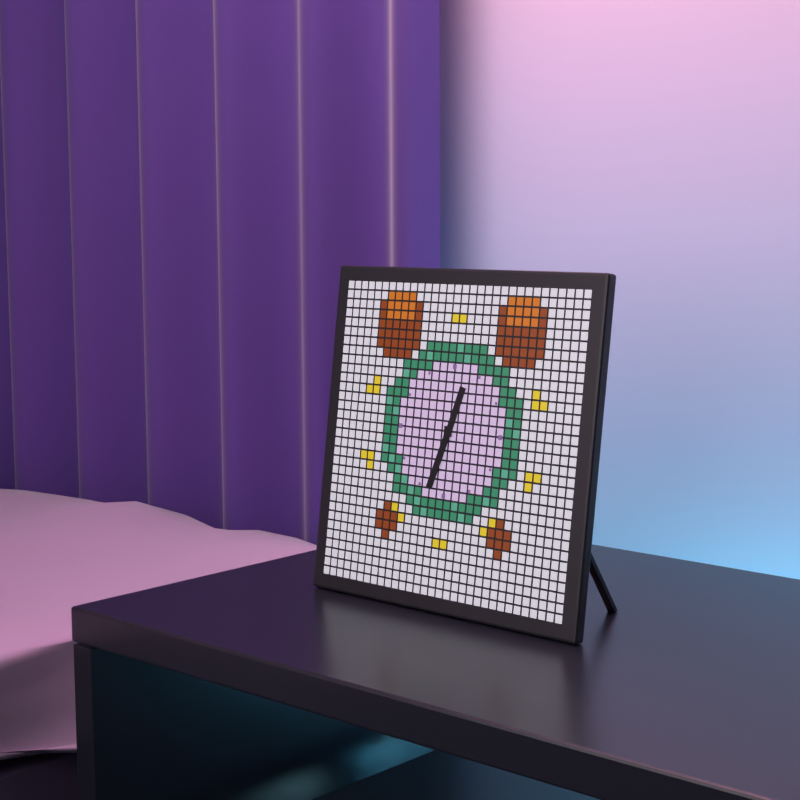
12.33
